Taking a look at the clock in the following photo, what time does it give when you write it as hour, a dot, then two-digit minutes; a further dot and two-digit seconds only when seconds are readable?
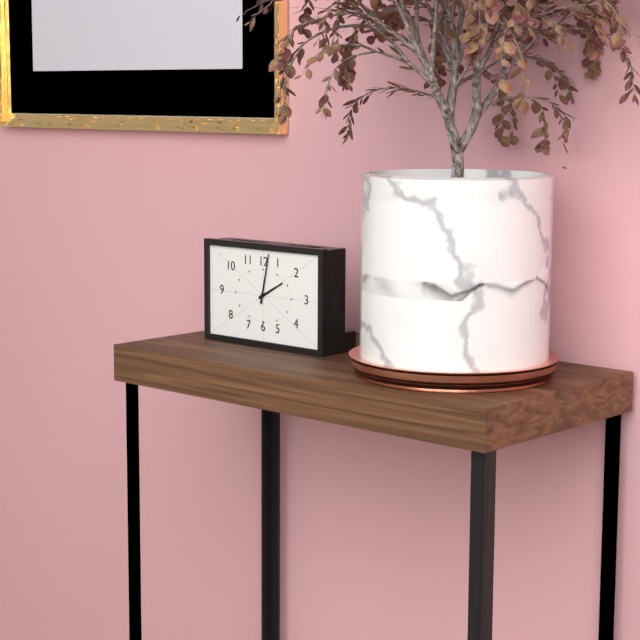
2.02
